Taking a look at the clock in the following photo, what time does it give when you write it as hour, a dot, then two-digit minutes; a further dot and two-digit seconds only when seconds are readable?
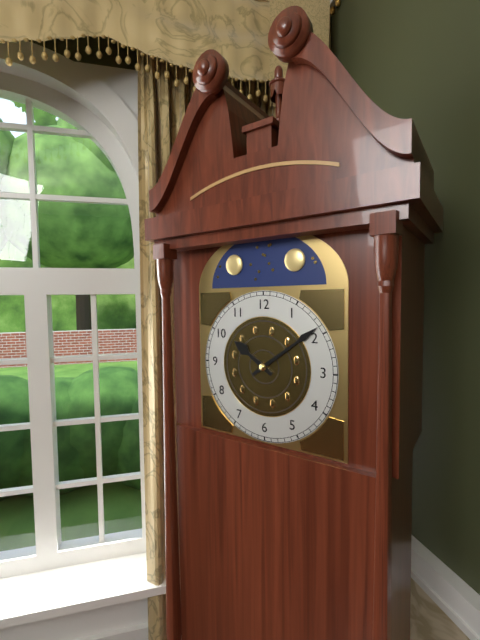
10.09
